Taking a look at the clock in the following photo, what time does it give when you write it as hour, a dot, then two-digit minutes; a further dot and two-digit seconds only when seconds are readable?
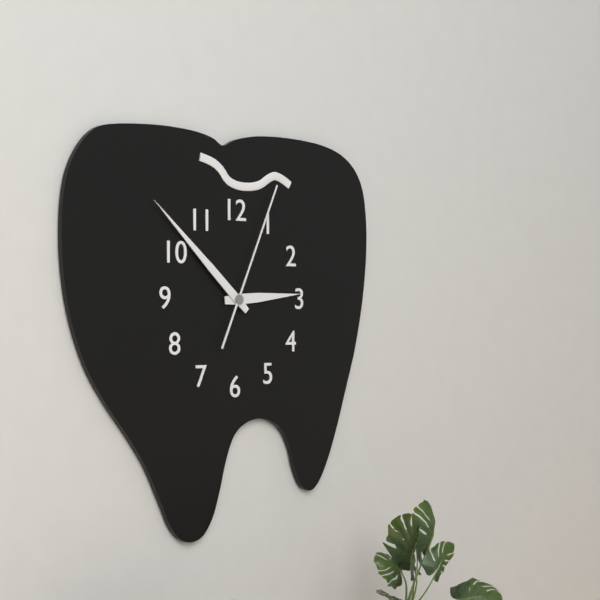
2.52.04
